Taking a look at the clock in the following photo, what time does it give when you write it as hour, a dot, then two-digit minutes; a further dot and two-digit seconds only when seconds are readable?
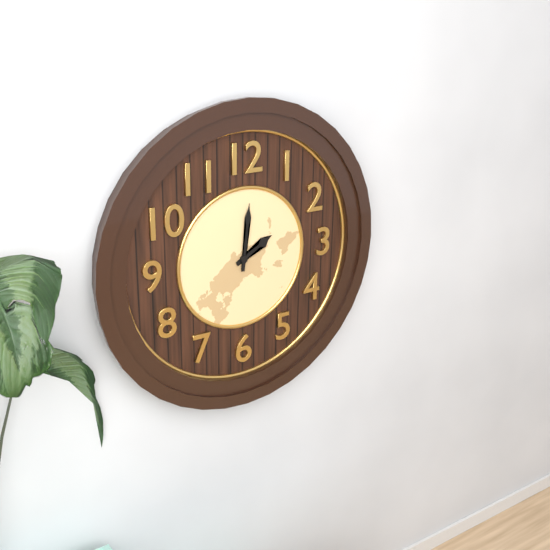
2.01
